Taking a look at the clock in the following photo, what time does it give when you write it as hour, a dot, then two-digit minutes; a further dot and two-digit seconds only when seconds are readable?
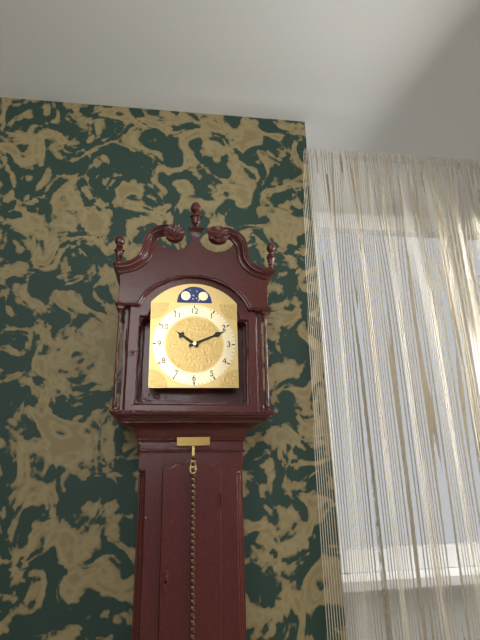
10.11
